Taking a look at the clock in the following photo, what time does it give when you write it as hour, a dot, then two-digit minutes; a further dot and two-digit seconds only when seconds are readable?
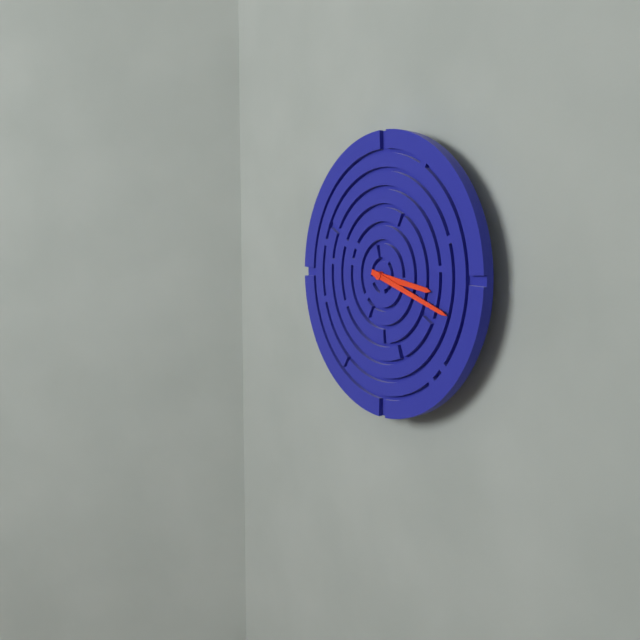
3.18
